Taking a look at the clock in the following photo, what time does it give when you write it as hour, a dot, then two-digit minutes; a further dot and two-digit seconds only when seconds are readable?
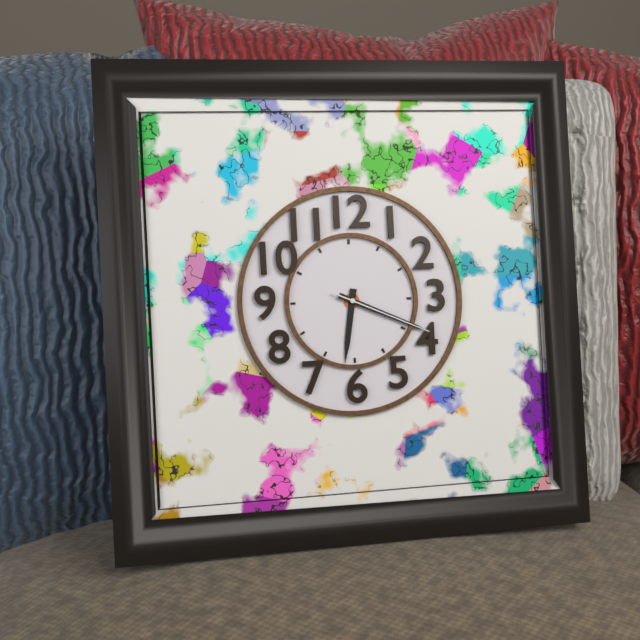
6.19.19
